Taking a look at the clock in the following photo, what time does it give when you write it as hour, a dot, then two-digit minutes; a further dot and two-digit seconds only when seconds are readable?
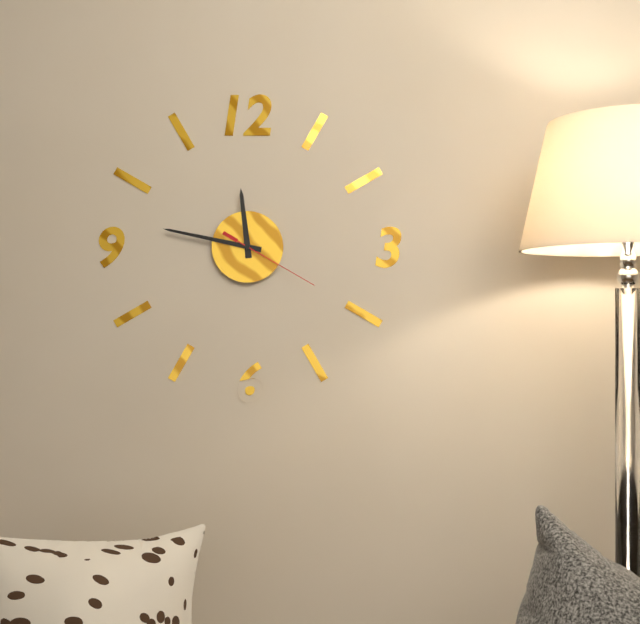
11.47.20
